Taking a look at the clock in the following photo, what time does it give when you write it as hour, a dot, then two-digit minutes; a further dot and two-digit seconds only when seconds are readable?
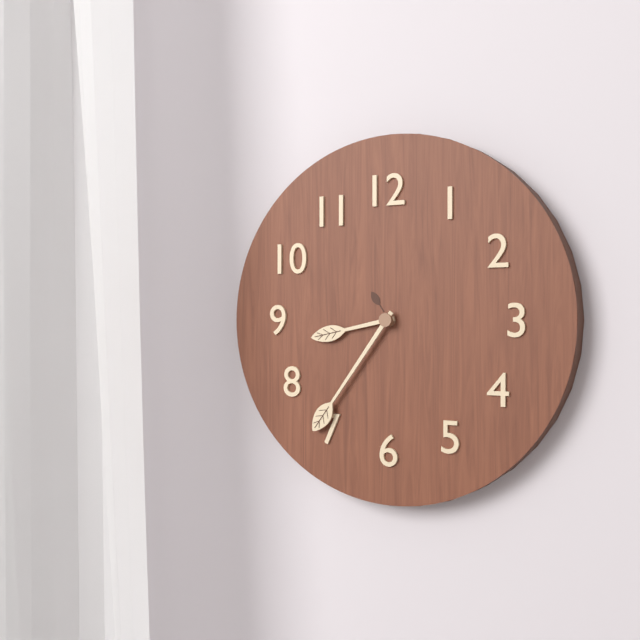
8.36
